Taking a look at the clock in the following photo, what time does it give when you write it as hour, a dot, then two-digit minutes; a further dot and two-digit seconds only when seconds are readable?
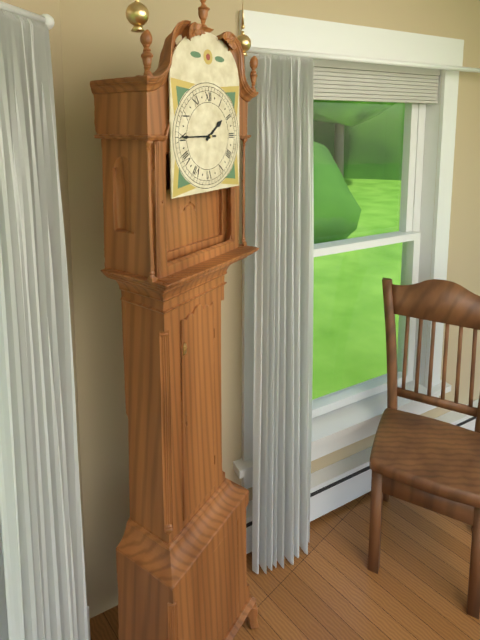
1.45
